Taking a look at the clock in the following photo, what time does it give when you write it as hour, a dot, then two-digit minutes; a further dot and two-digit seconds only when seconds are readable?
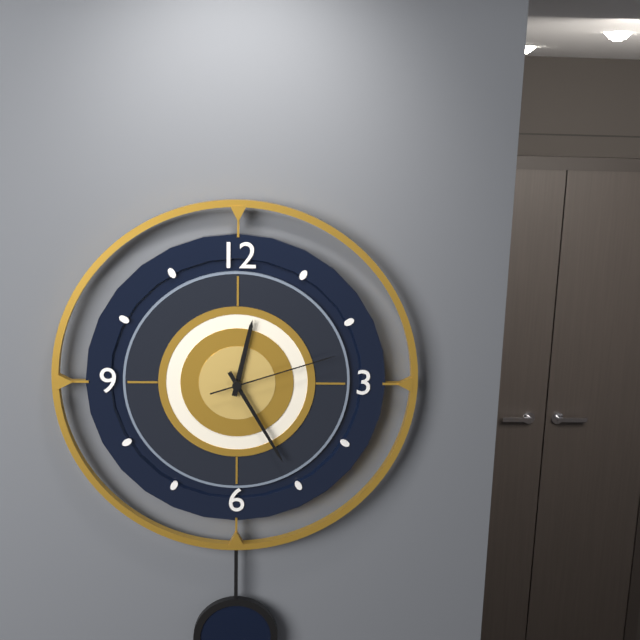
12.25.12
